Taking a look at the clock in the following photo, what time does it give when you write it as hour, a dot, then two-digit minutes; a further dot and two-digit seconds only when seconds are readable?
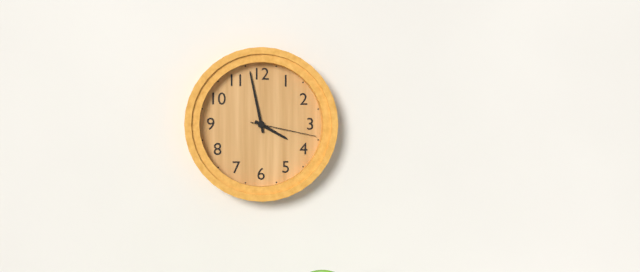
3.58.17
